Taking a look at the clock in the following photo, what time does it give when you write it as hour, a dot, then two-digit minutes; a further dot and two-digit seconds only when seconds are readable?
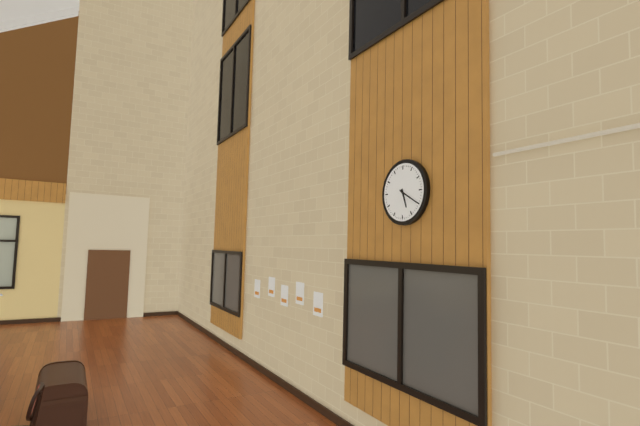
5.20
